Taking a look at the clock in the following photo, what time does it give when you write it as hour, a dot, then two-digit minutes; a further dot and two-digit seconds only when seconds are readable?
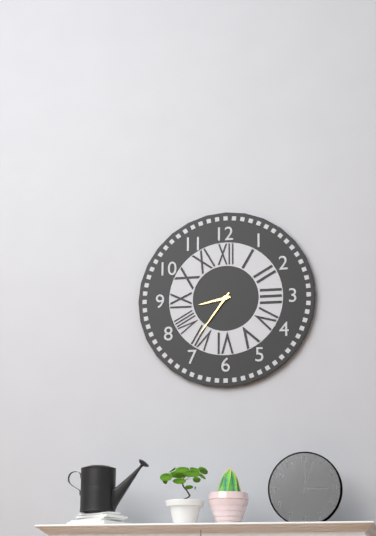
8.36
